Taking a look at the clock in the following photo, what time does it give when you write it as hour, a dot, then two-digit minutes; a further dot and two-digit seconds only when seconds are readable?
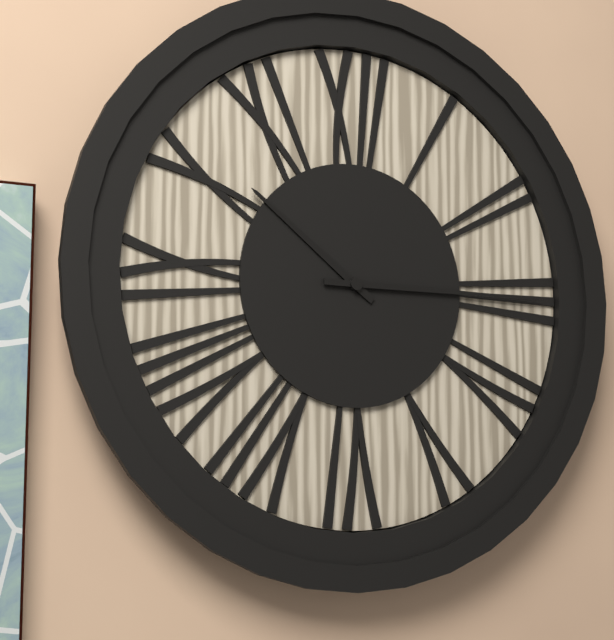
10.15
